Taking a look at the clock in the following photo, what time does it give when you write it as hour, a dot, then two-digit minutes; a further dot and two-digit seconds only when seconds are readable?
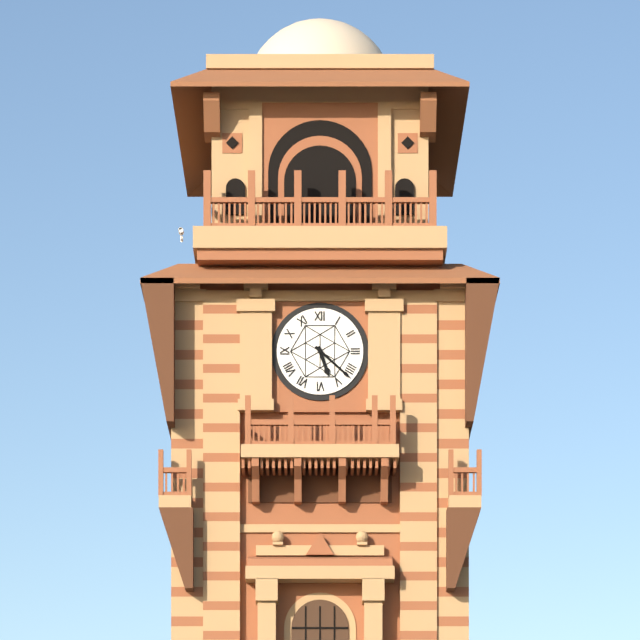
5.22
